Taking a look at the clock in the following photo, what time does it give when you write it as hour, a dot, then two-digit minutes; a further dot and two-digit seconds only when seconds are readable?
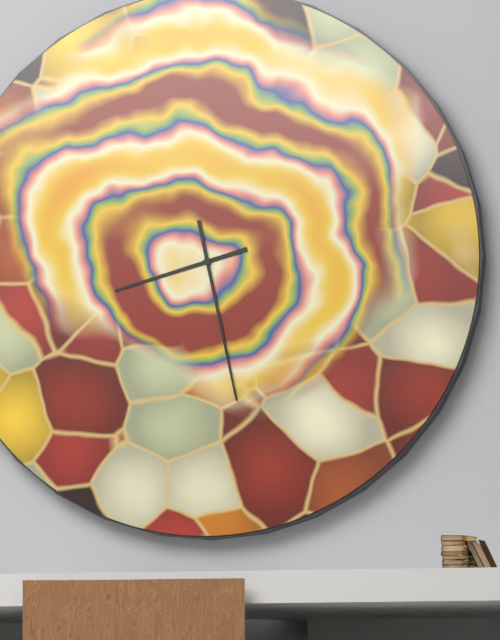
8.28
